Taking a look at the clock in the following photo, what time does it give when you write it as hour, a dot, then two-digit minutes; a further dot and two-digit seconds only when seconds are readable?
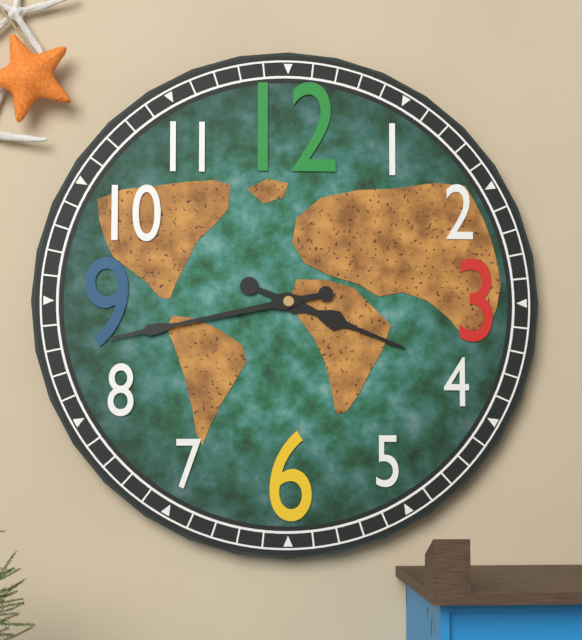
3.43
